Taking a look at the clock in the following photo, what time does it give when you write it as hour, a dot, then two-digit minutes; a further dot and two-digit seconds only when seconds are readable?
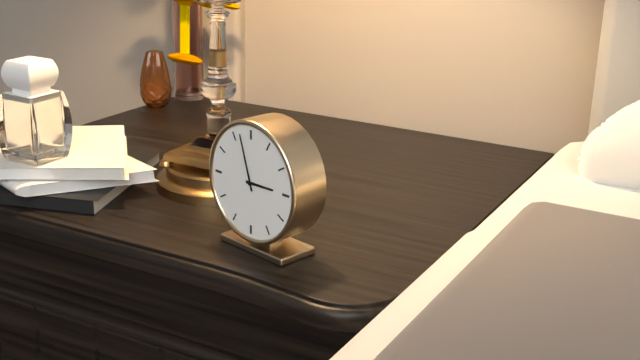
2.57
